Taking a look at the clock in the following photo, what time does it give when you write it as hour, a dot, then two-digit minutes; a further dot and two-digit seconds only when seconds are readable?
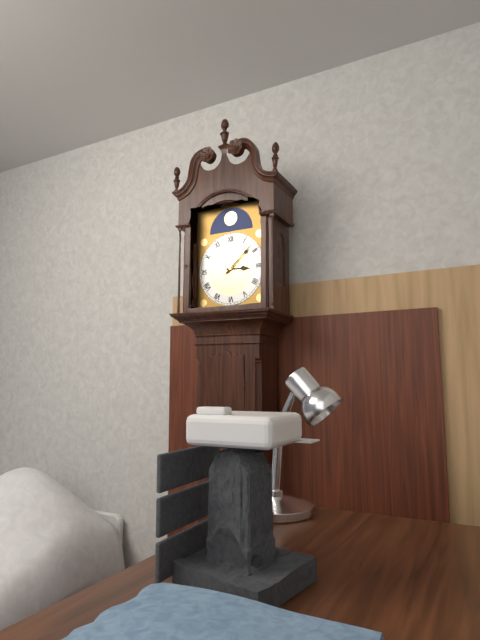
3.08
